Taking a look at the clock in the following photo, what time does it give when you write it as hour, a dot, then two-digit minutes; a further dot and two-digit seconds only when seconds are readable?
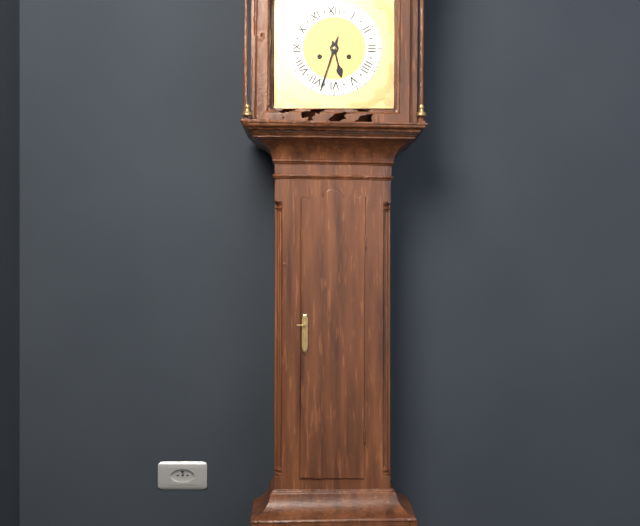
5.33
